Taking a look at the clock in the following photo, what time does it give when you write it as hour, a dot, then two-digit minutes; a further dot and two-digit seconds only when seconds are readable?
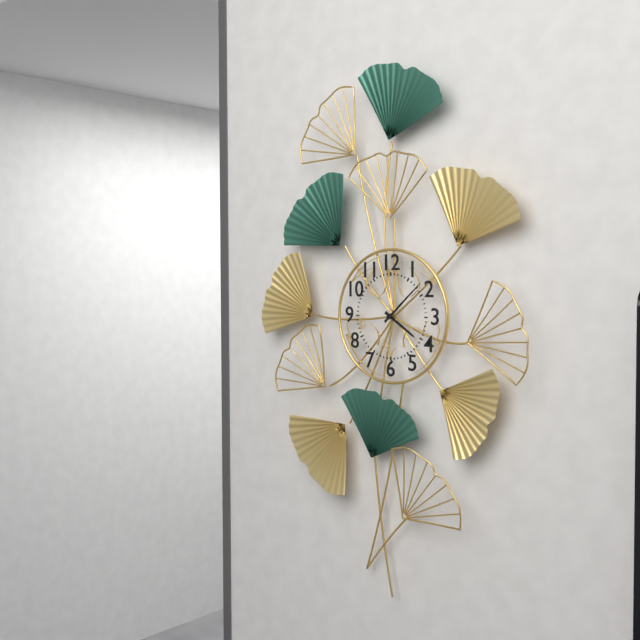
4.08
